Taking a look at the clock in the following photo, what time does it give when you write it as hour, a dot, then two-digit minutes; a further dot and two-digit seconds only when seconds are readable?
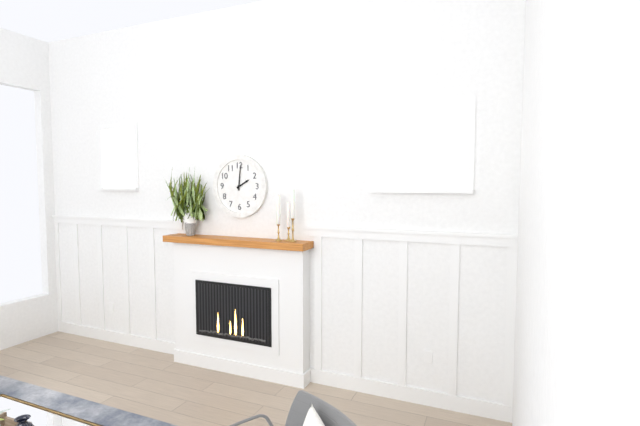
2.01
